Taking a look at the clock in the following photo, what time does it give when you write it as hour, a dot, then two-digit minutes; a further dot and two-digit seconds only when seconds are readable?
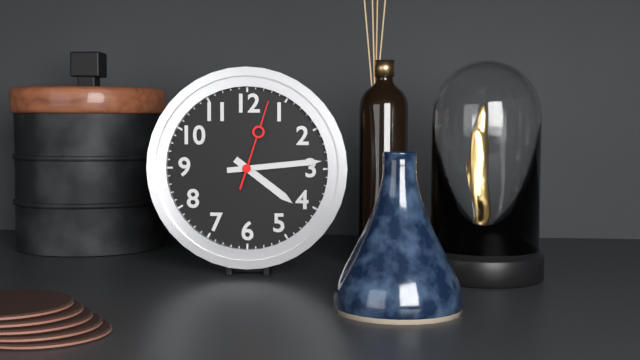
4.14.03
